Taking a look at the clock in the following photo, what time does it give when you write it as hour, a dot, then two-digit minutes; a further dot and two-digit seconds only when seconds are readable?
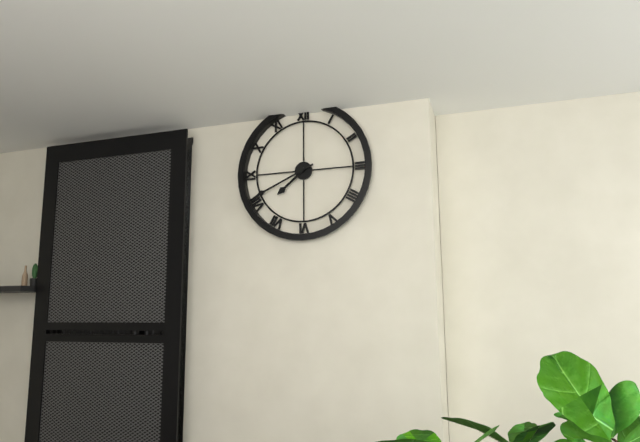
7.41
